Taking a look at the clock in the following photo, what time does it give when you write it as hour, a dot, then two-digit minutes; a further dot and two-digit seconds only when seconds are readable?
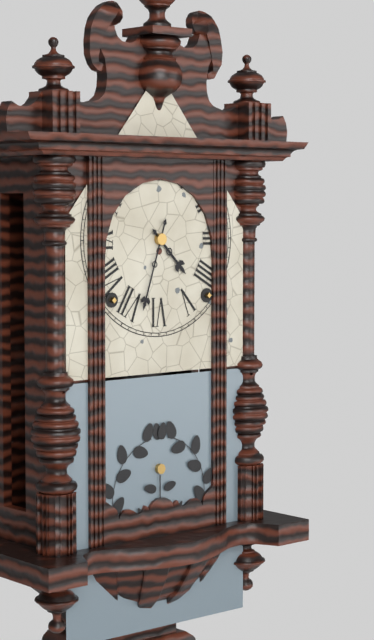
4.33
